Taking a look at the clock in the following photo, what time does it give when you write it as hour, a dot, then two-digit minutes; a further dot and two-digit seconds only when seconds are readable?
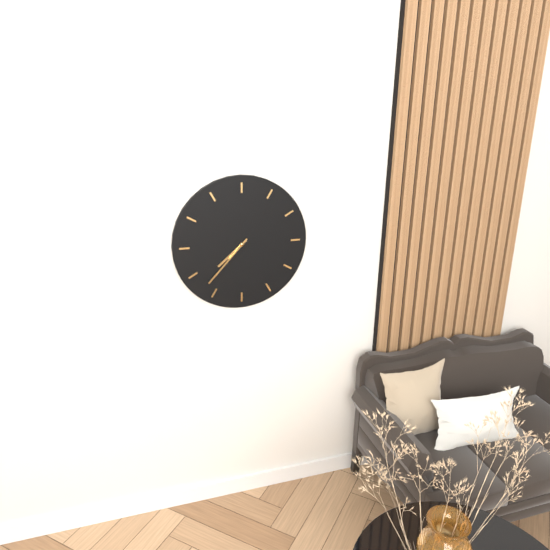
7.37
